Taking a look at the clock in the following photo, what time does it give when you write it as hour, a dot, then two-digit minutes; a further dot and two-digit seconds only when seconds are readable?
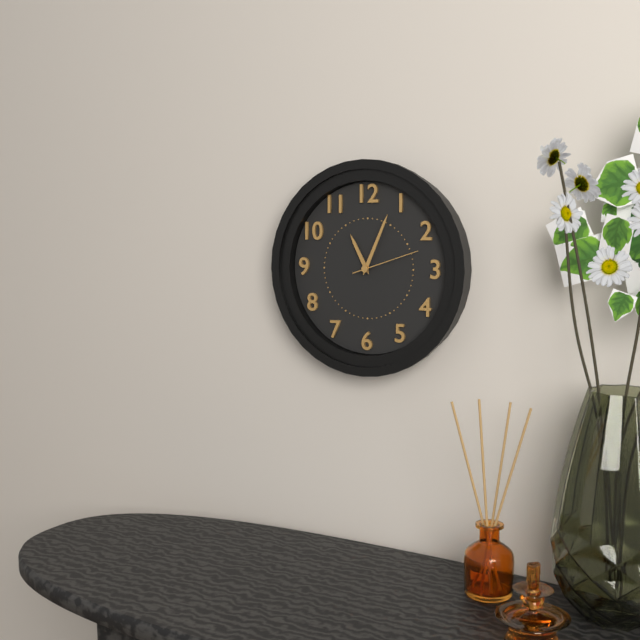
11.04.12
